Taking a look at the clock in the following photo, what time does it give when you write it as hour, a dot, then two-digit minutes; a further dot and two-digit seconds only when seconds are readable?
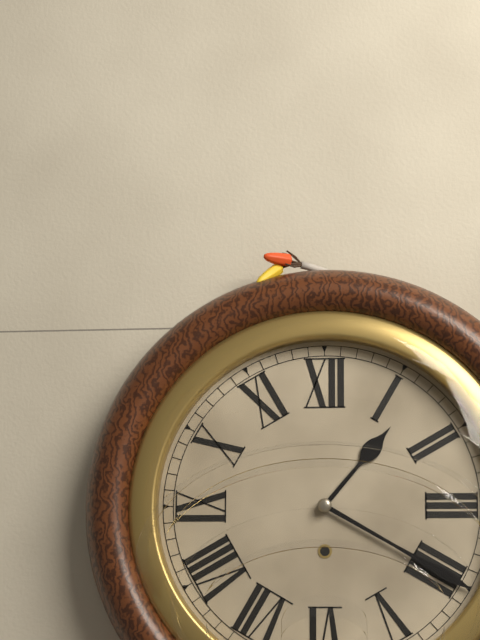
1.20
